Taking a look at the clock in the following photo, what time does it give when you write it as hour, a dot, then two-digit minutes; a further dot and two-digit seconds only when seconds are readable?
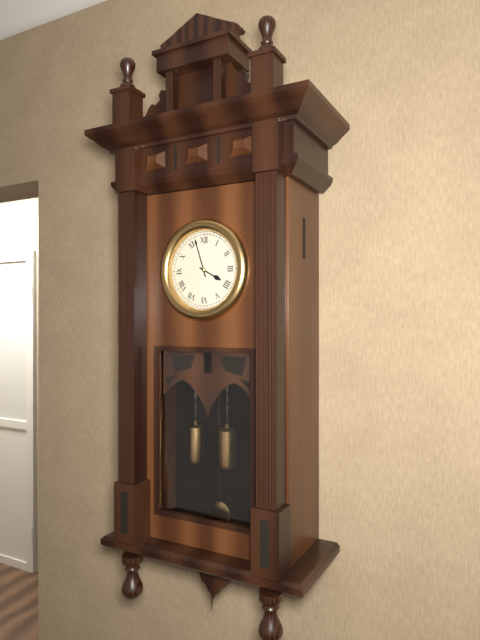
3.57
